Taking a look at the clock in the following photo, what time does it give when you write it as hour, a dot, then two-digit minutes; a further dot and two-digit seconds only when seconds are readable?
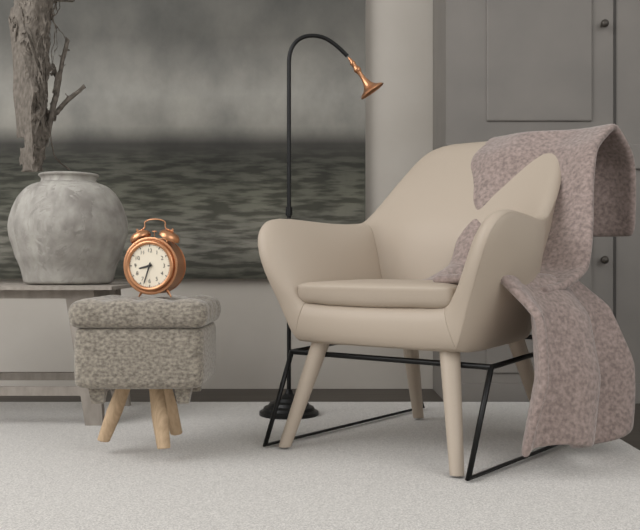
8.33
